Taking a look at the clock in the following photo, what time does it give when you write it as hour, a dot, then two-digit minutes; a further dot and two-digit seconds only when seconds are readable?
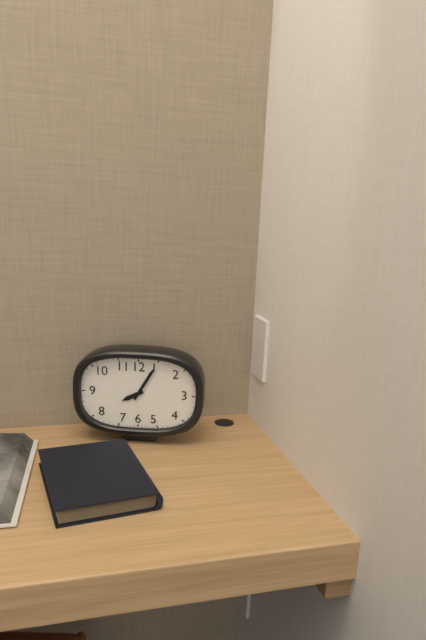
8.05
